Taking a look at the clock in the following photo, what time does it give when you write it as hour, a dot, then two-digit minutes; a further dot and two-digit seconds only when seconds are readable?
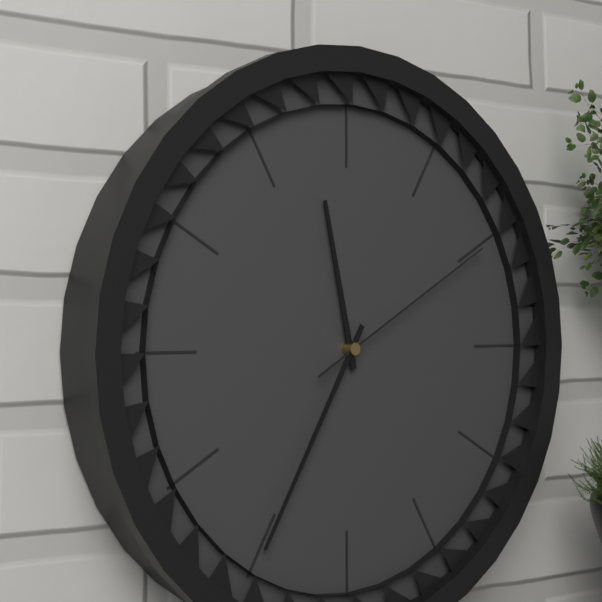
11.35.10
